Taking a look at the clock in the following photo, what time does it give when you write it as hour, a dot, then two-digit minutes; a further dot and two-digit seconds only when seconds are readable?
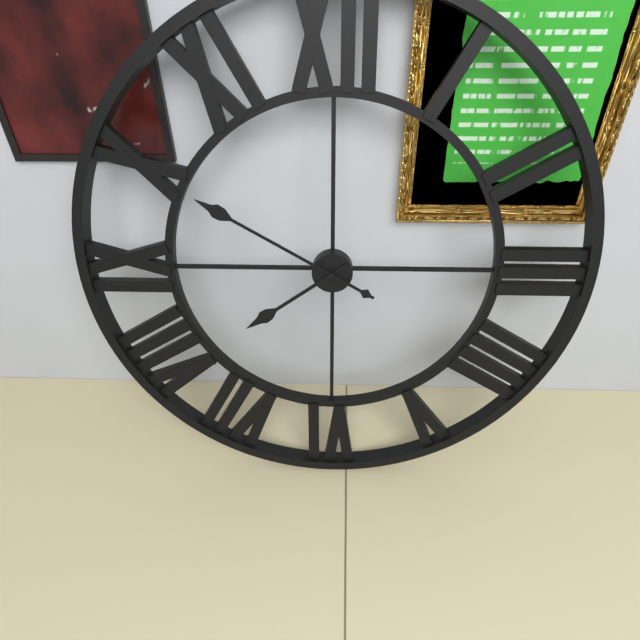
7.50
